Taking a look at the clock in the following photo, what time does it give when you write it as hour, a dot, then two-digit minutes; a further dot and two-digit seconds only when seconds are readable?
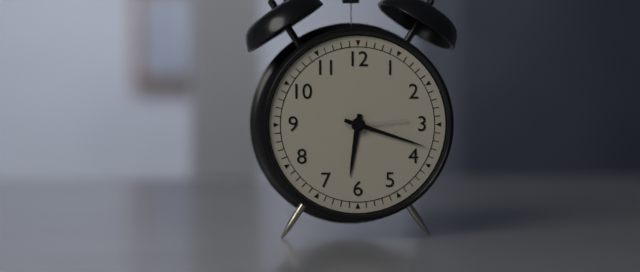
6.18.14
